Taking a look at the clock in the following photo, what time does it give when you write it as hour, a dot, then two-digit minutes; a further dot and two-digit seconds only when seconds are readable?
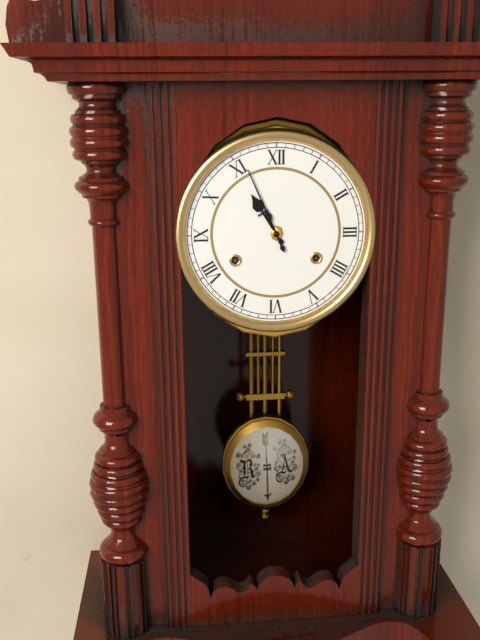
10.56
